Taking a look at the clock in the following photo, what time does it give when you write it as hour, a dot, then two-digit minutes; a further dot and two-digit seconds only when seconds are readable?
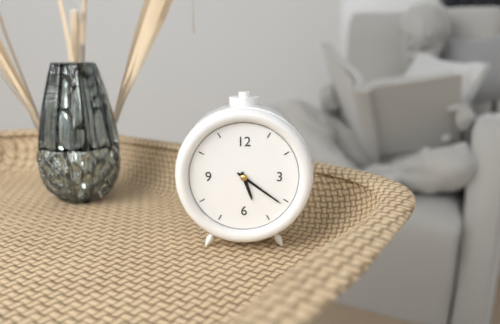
5.21
